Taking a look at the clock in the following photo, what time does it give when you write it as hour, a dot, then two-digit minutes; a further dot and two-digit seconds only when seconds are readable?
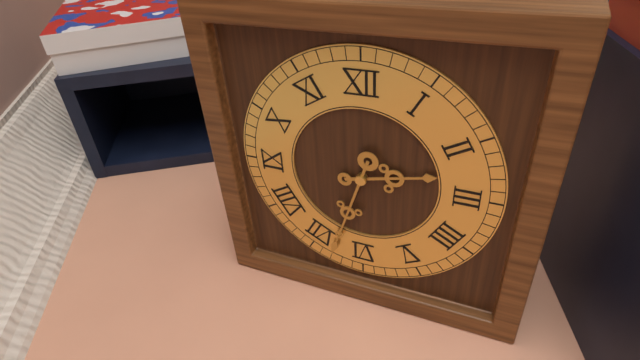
2.33
